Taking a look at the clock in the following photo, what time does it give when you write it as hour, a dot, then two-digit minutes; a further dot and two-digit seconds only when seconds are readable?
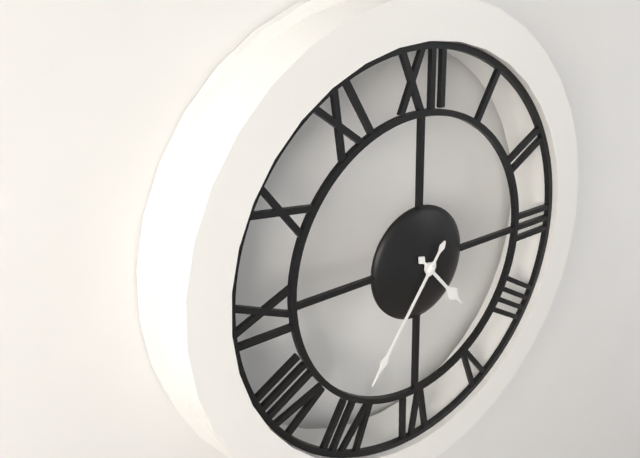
4.36
